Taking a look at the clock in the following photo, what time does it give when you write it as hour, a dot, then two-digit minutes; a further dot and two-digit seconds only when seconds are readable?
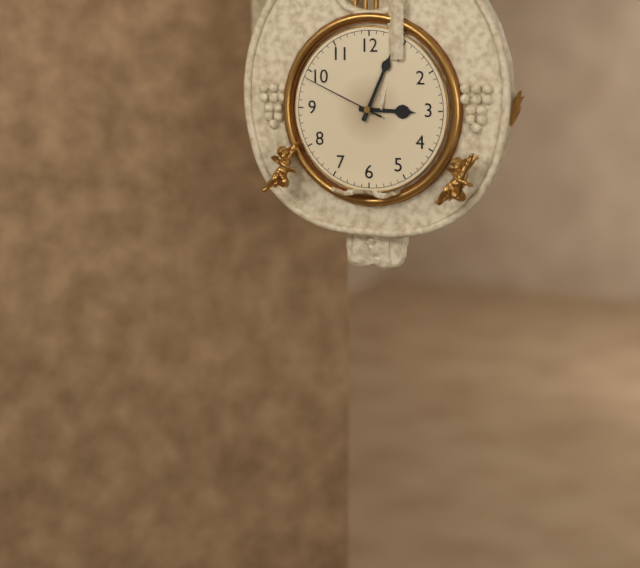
3.04.49
